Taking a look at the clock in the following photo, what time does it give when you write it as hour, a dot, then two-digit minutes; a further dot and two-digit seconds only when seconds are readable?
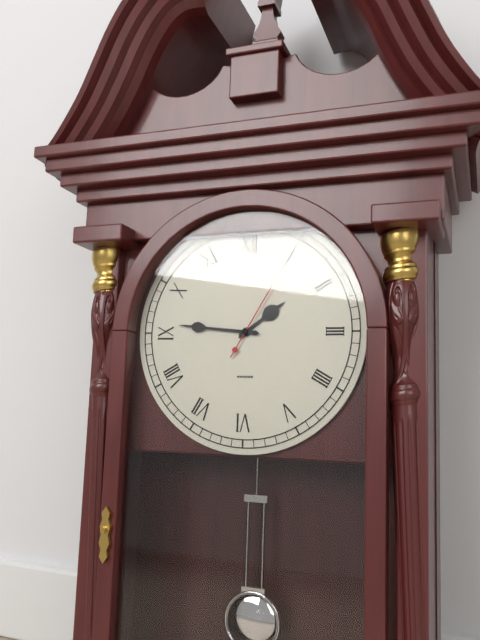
1.46.05
